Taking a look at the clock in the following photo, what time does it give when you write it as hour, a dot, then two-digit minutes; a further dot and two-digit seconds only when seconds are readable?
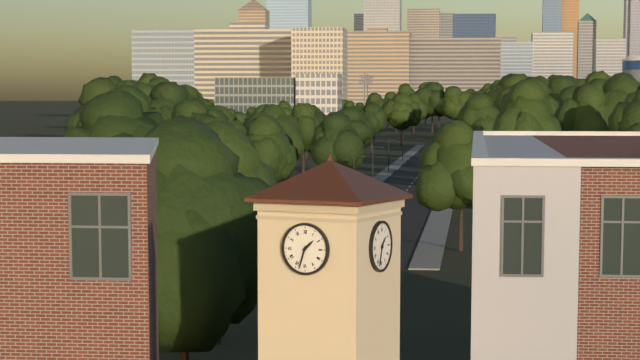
1.33
